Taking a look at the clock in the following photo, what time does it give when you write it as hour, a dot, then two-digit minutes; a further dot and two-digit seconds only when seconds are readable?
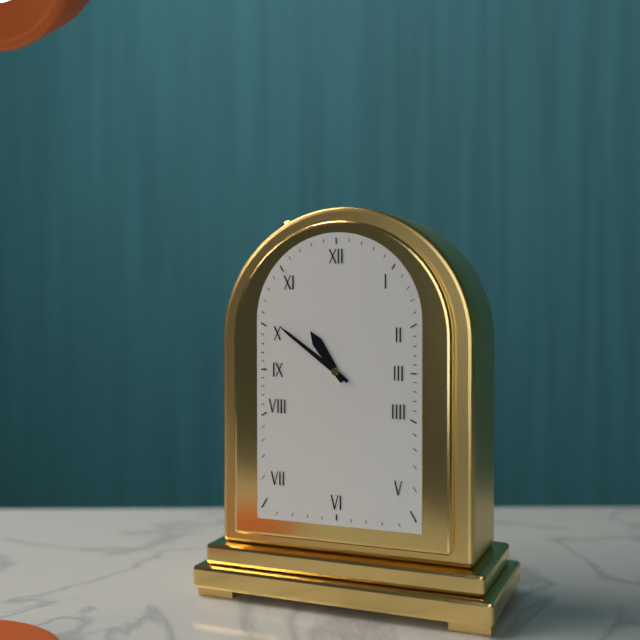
10.51
